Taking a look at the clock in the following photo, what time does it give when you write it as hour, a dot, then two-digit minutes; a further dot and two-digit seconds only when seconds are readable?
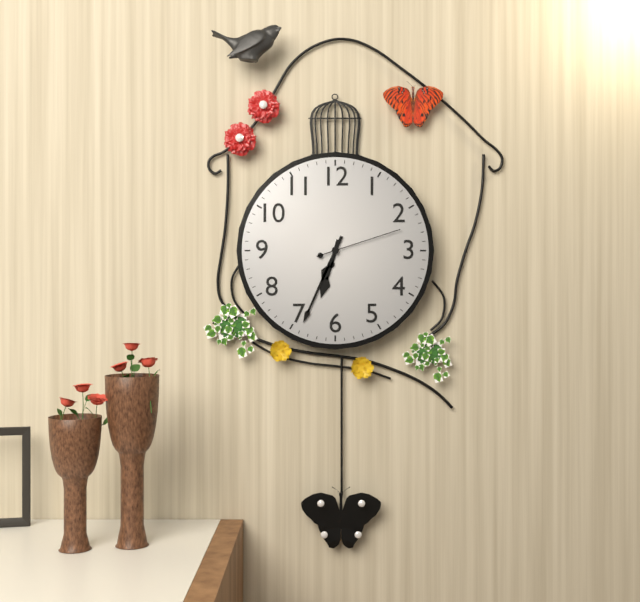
6.34.12
